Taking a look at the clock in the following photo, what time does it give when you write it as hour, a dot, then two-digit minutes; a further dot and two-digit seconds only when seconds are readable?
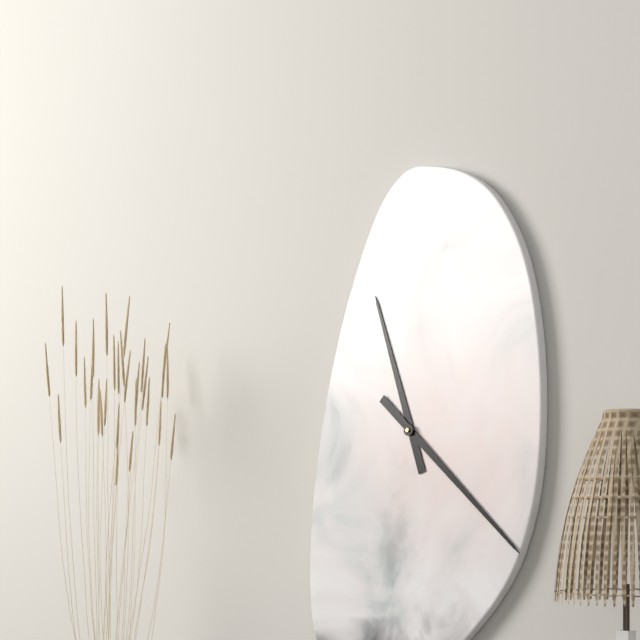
11.22
